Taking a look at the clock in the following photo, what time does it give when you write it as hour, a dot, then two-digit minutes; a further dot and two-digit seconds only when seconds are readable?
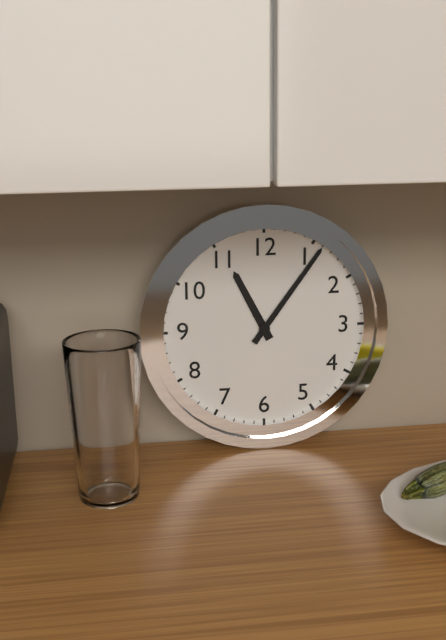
11.06
